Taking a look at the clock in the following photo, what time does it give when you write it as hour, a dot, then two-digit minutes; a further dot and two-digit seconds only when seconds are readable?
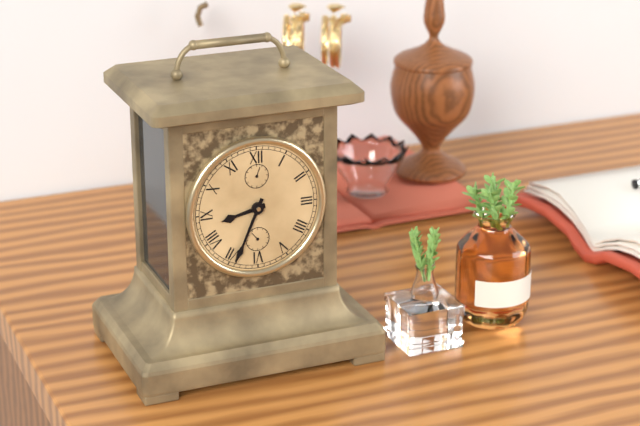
8.34
